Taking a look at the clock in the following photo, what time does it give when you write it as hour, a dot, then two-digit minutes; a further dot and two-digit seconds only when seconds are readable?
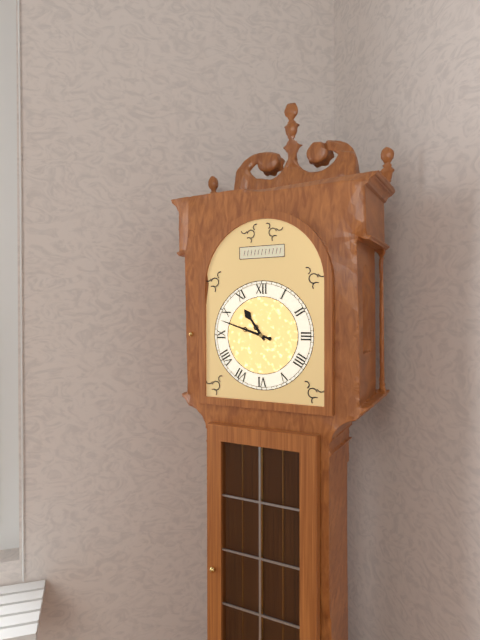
10.48
